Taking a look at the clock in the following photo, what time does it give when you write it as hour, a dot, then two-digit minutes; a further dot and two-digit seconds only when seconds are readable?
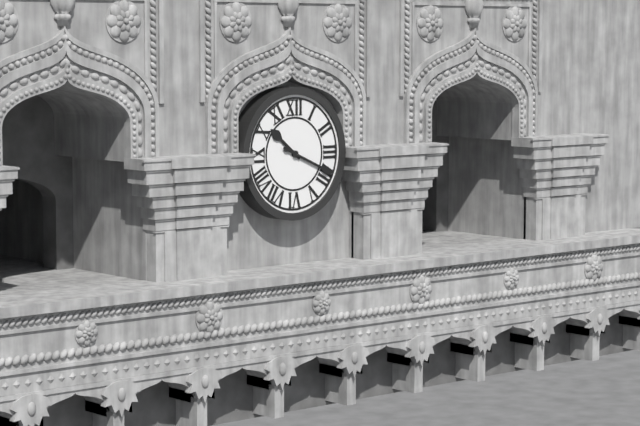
10.19
